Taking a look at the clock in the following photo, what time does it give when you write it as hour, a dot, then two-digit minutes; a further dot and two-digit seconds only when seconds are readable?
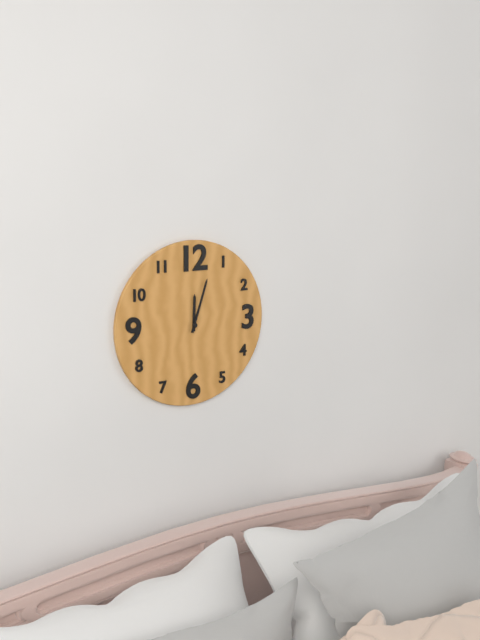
12.03
